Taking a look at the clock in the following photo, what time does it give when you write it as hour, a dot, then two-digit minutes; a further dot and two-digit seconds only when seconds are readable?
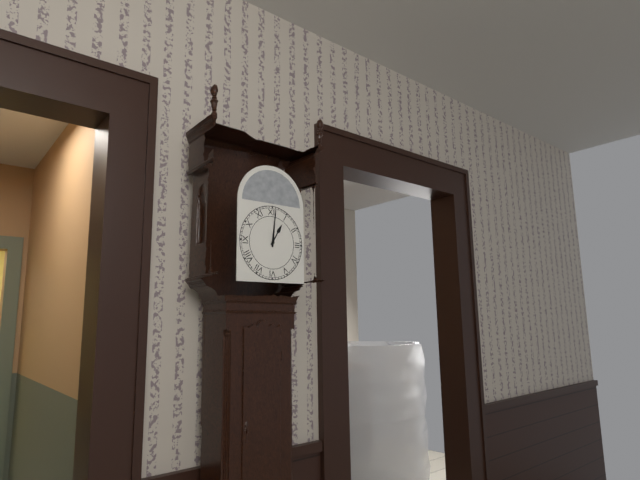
1.01
